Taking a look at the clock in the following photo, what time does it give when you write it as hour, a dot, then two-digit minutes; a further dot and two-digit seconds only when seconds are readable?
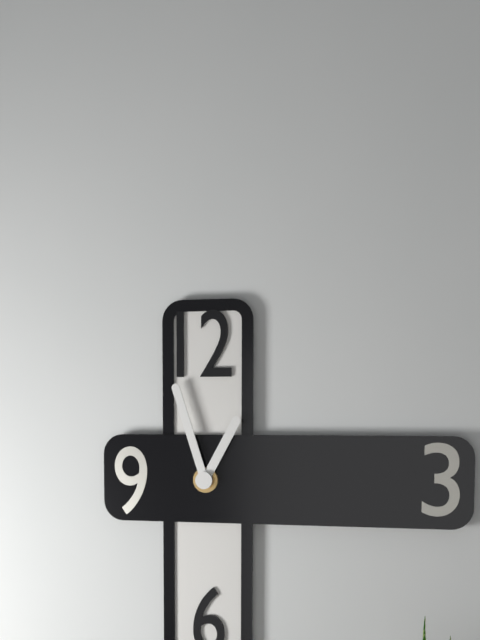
12.57
